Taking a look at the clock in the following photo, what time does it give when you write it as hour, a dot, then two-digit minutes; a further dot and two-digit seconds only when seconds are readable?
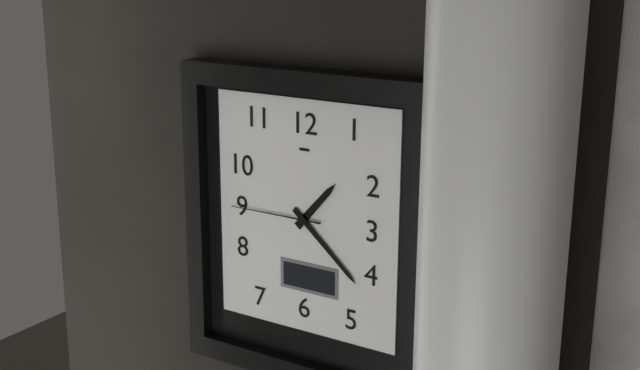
1.22.45
